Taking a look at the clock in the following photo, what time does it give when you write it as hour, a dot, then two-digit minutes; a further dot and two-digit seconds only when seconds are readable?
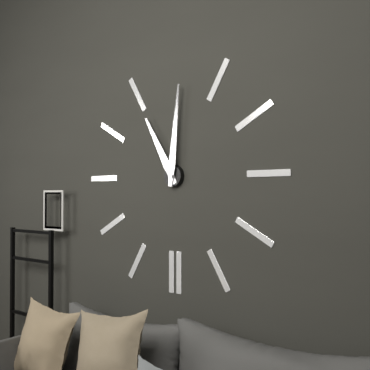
11.01
